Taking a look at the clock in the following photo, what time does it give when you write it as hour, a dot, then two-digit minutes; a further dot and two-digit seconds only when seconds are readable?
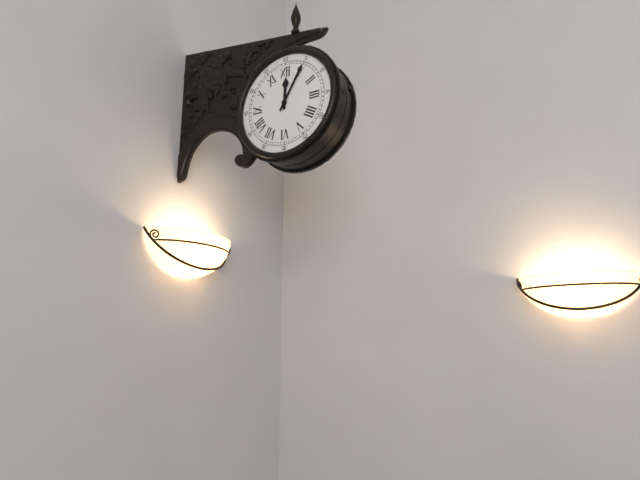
12.05
